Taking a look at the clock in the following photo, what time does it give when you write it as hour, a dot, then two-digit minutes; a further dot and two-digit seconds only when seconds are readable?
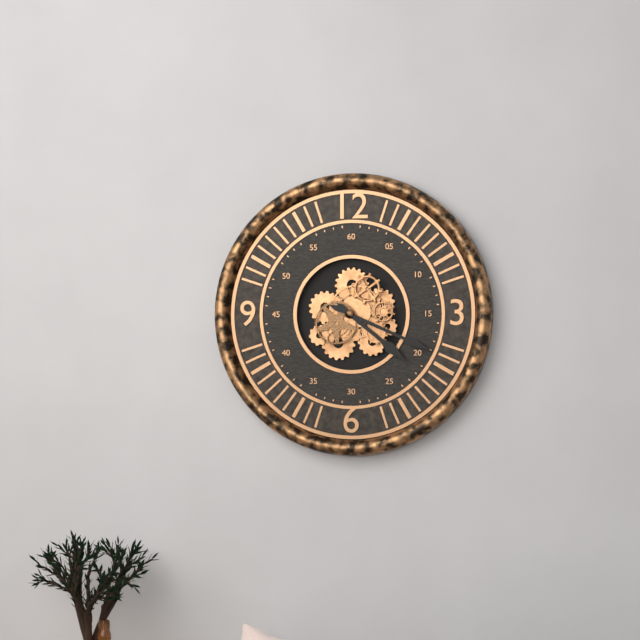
4.19
